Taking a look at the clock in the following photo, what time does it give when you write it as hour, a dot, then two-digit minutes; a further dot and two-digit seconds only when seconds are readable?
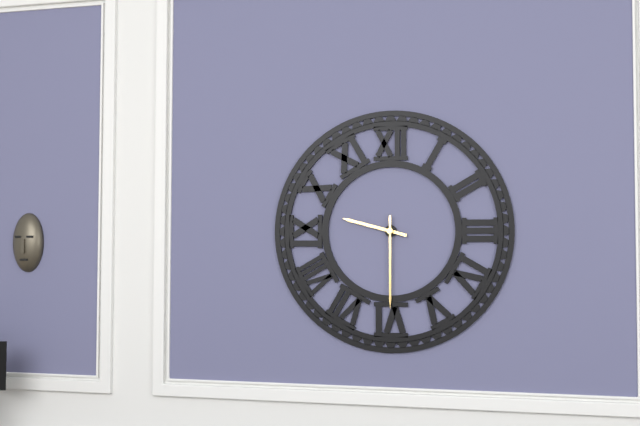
9.30
